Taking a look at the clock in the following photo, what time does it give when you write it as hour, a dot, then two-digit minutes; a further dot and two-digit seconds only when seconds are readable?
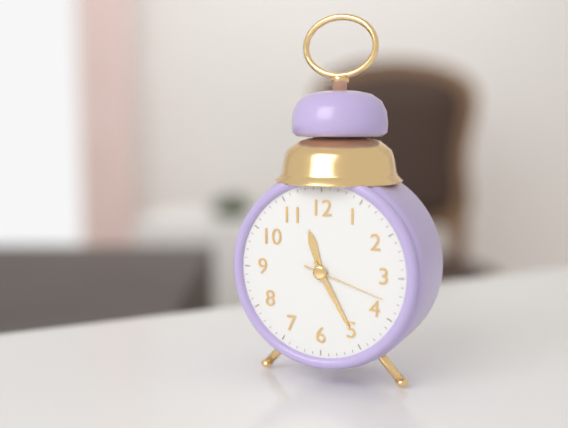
11.25.18
